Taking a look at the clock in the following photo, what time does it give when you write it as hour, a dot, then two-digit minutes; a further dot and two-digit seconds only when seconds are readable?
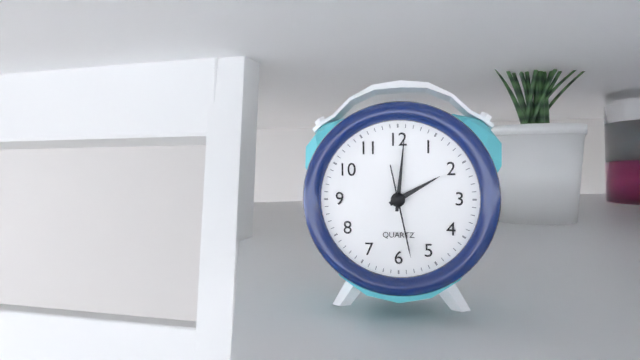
2.01.28
